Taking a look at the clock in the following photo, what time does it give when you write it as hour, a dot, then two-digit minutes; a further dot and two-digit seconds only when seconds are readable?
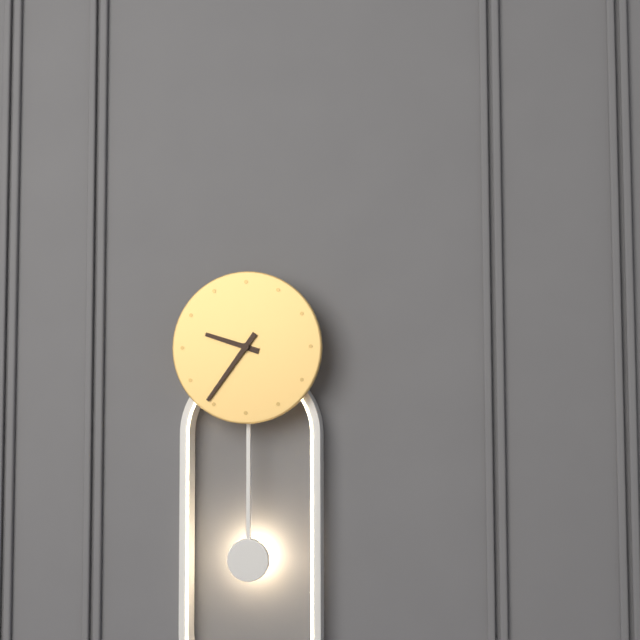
9.36
